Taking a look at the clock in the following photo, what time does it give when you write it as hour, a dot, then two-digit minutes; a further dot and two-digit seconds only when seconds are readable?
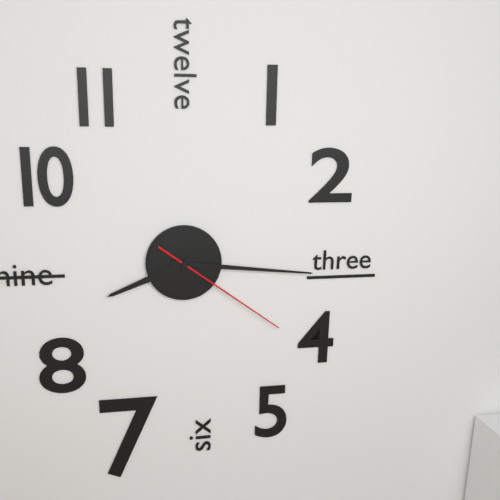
8.16.21
